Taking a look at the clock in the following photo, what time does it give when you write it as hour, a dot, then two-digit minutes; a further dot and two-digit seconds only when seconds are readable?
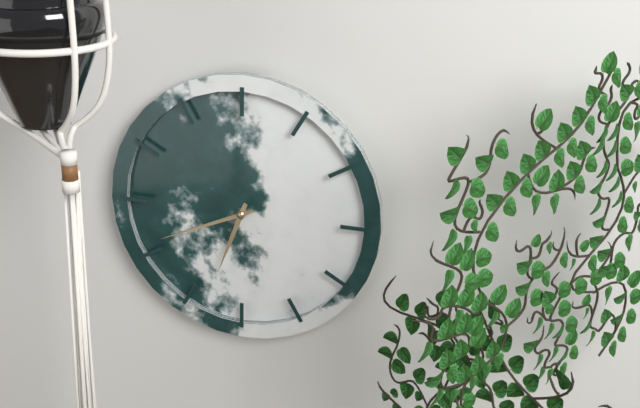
6.41
